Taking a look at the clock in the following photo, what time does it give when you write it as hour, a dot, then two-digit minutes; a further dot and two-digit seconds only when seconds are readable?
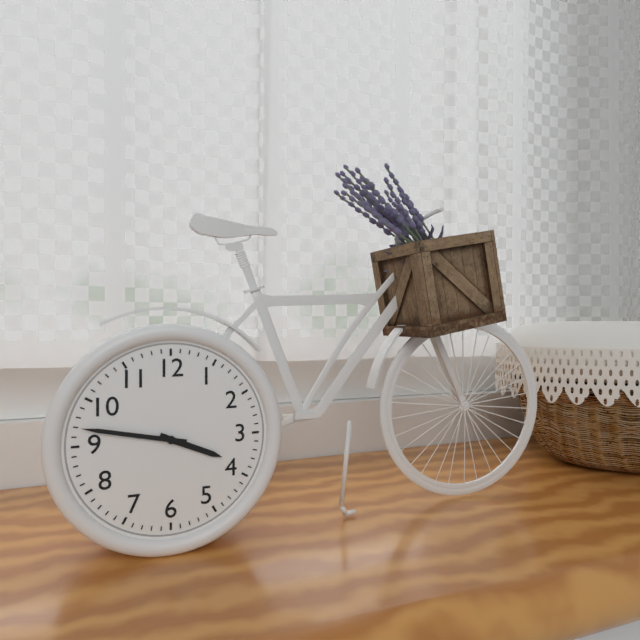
3.47
